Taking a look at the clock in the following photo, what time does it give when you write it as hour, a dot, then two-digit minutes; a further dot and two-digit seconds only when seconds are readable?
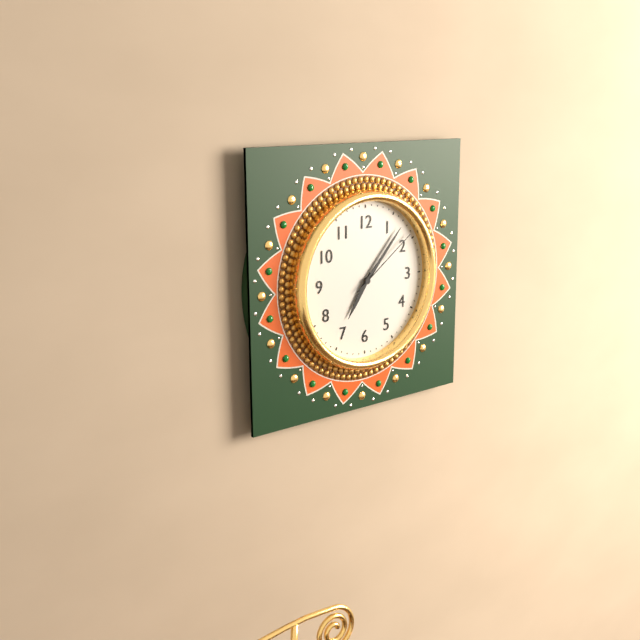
7.07.09
